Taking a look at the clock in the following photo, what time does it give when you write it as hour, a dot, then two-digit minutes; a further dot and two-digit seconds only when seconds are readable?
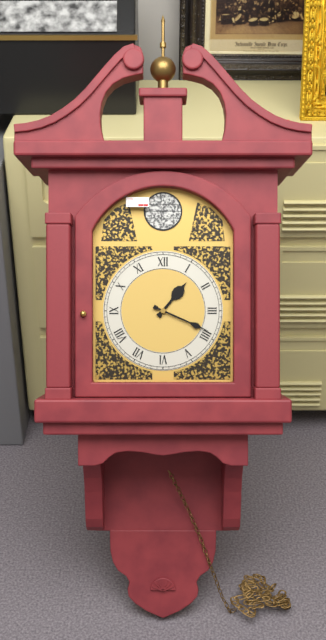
1.19
